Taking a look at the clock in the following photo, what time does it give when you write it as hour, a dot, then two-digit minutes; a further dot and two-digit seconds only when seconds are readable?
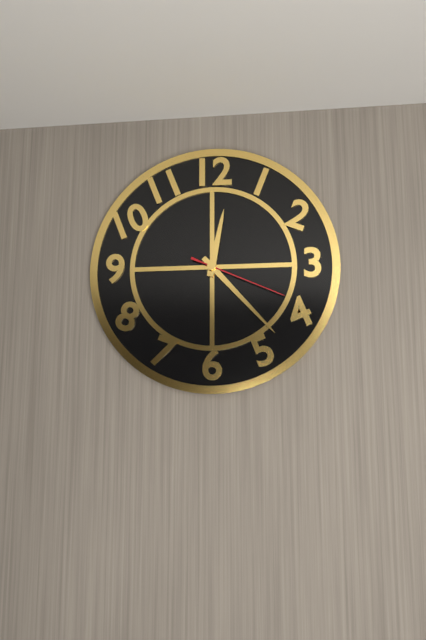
12.23.19
